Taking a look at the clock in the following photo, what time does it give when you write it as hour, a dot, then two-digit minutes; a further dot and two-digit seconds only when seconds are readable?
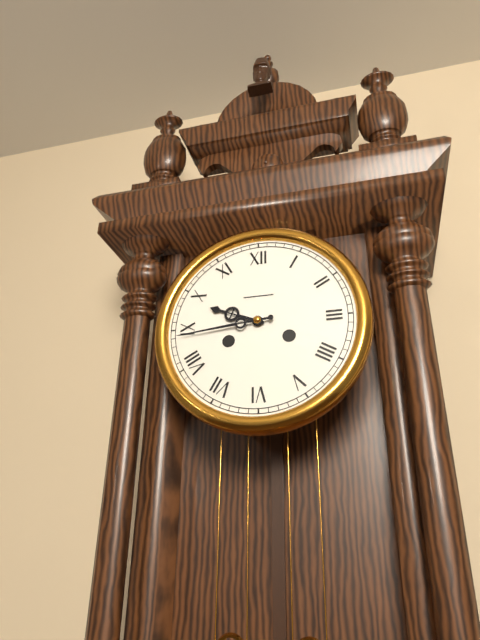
9.44
